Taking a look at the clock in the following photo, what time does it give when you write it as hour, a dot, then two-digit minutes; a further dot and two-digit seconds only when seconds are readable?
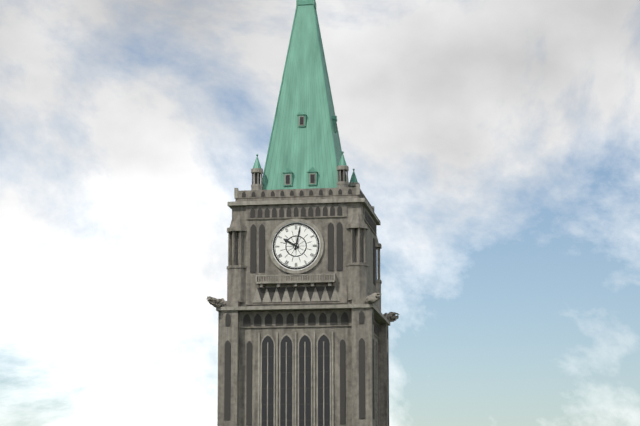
10.02
